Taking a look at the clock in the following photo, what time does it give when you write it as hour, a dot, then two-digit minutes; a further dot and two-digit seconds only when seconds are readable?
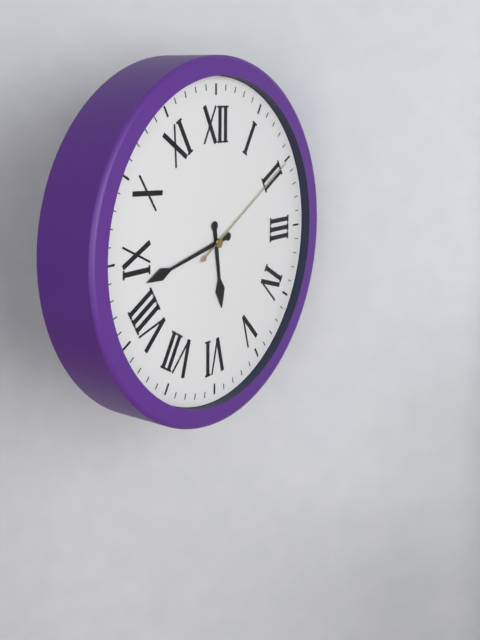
5.43.10
